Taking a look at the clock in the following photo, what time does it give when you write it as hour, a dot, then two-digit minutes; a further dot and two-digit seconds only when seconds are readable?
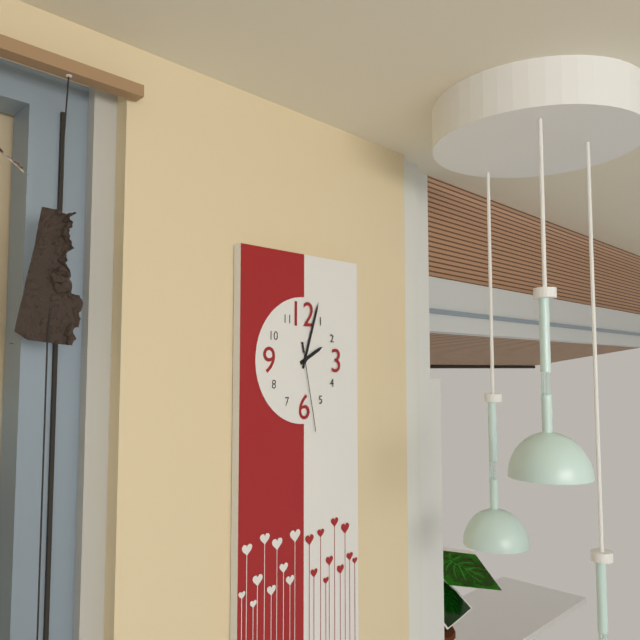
2.03.28
